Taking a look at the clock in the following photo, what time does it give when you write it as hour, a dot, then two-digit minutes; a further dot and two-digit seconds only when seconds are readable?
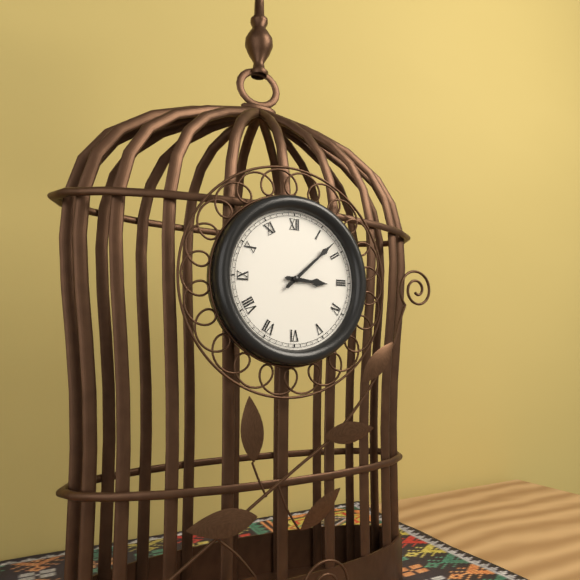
3.08
